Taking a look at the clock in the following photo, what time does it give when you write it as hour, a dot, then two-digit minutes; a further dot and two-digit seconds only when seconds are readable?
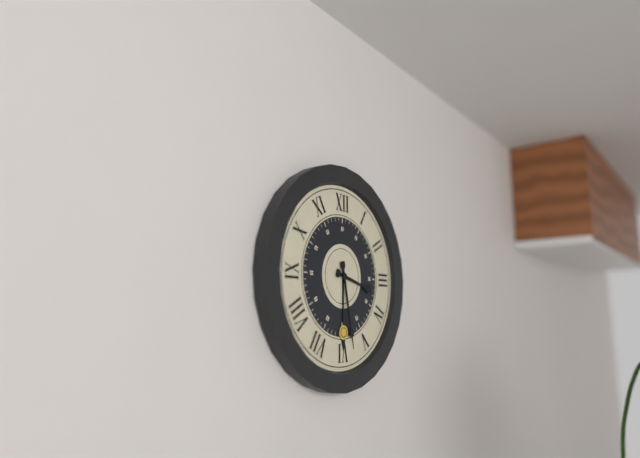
3.28
